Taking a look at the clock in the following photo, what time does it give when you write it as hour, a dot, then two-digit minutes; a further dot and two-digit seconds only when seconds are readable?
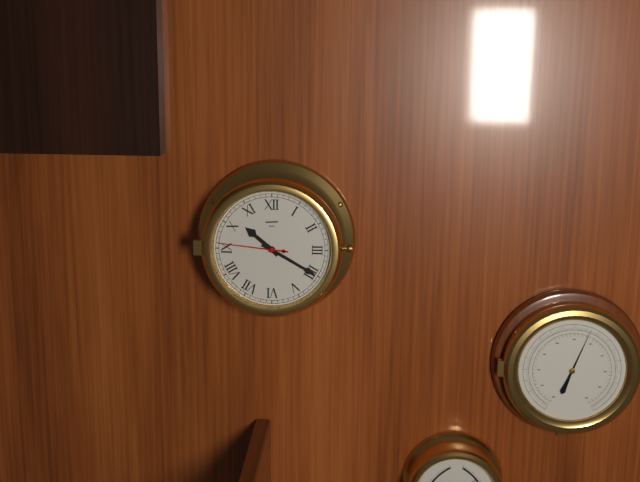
10.20.46
